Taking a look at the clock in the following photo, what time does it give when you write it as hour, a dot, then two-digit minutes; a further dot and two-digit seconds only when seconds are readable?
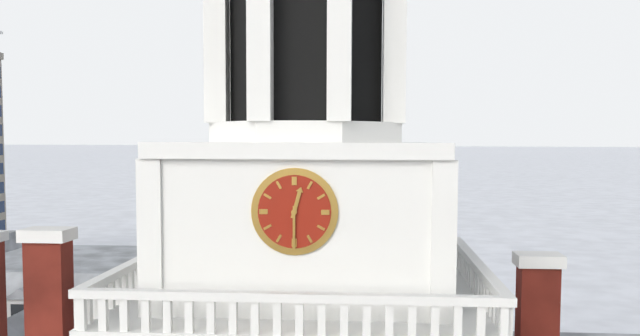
12.30
